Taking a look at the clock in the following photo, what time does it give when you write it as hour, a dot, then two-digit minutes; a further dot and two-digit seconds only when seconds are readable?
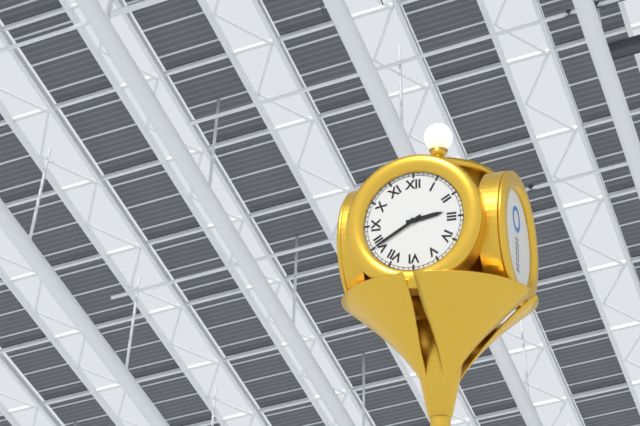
2.40
